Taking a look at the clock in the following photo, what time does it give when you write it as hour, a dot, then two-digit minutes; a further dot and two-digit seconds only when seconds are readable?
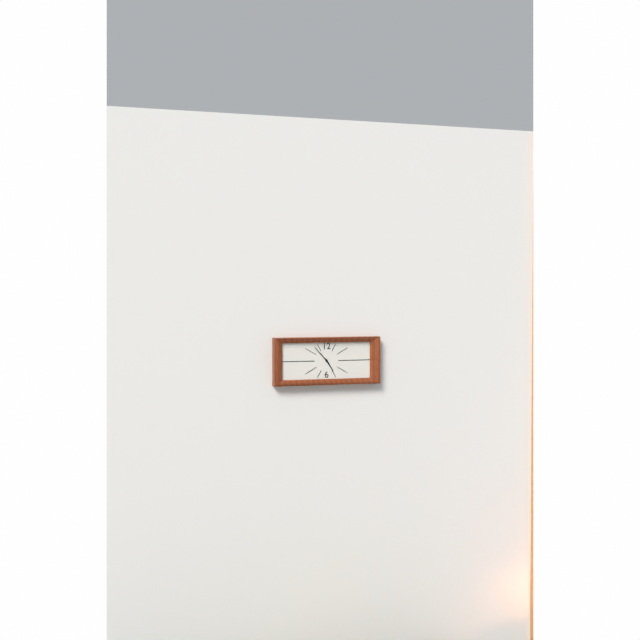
4.53
